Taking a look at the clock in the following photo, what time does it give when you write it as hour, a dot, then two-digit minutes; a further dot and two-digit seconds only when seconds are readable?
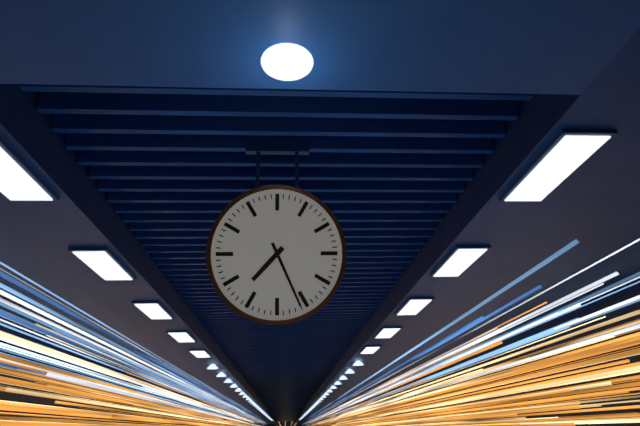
7.26
